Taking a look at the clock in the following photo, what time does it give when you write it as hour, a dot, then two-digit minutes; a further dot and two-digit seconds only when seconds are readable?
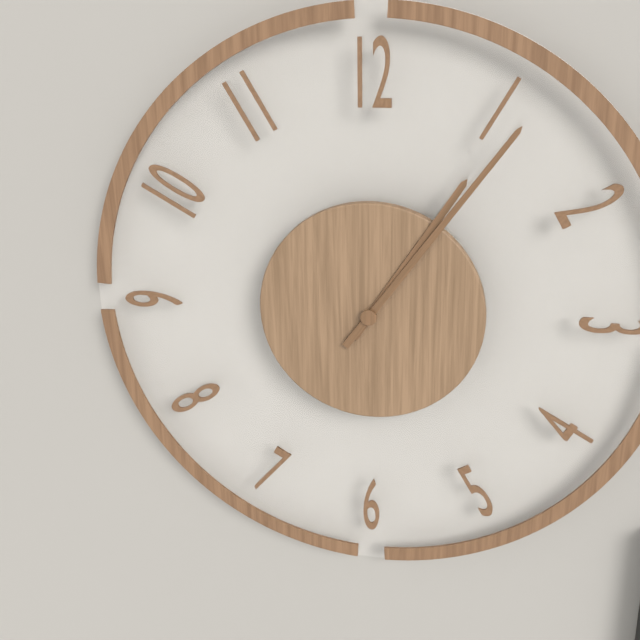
1.06
